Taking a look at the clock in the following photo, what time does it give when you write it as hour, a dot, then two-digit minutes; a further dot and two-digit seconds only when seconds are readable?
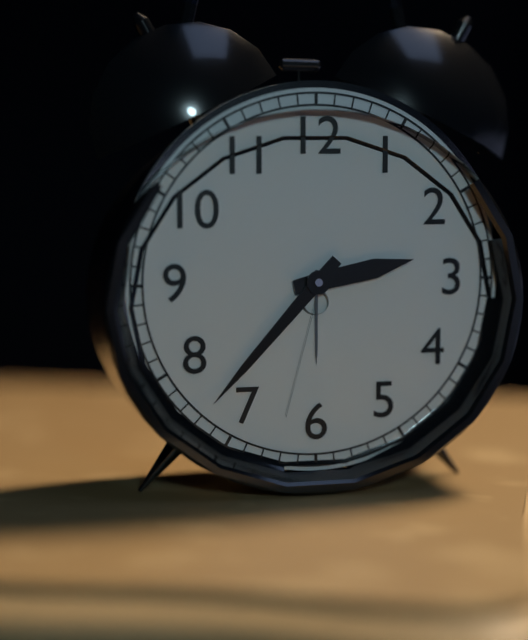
2.37
